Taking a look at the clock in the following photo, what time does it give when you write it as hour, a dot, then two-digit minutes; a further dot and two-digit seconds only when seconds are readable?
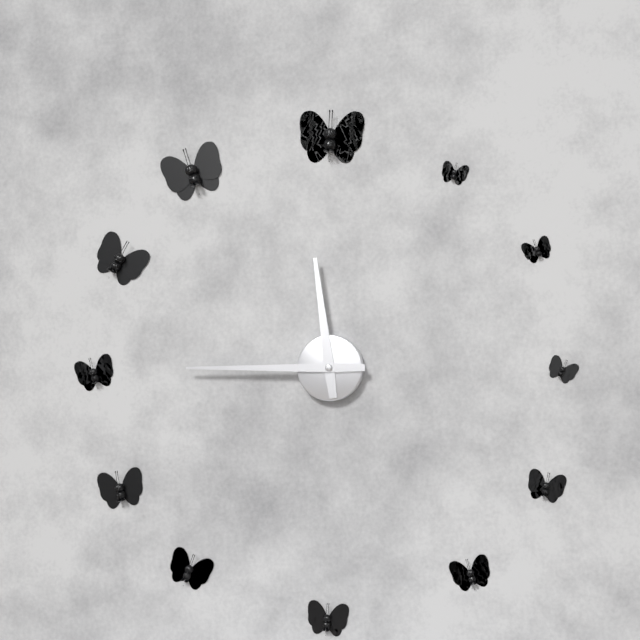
11.45
